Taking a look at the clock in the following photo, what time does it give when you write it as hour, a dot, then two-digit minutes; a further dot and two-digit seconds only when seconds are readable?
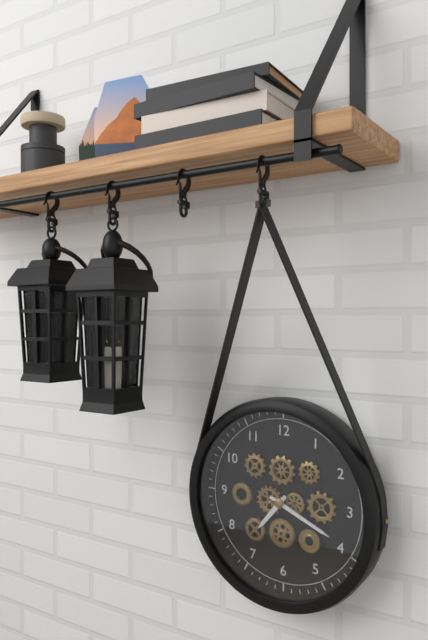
7.19
